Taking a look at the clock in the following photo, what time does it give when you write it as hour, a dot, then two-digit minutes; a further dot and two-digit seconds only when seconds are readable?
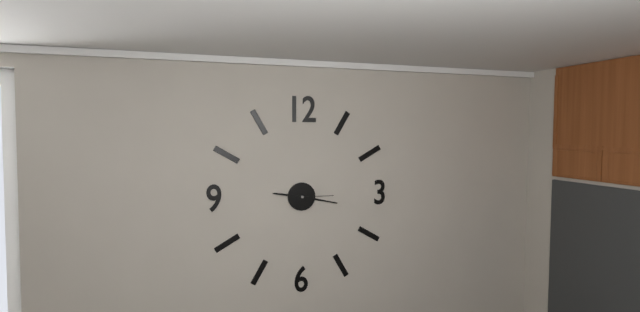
9.17
